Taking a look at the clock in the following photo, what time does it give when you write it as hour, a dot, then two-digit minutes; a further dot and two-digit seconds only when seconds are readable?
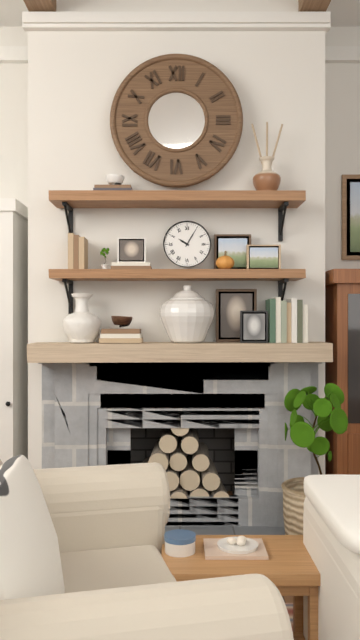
10.05
